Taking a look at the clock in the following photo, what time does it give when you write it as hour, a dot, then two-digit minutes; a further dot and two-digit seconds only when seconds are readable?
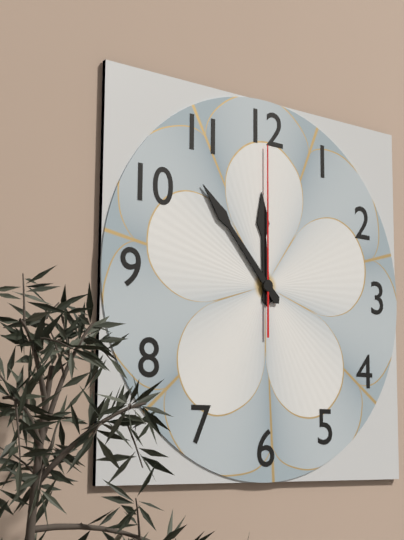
11.53.00
